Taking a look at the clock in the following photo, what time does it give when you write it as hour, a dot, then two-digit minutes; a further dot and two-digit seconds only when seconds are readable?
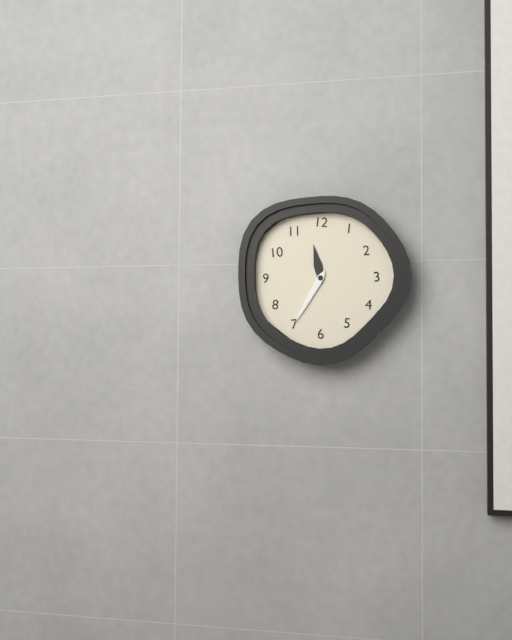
11.35
